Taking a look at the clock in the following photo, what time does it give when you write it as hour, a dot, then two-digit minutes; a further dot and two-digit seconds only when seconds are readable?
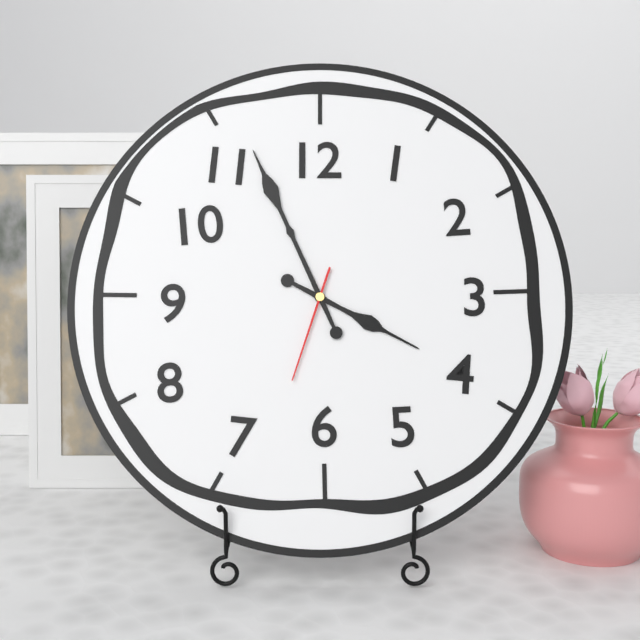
3.56.33
